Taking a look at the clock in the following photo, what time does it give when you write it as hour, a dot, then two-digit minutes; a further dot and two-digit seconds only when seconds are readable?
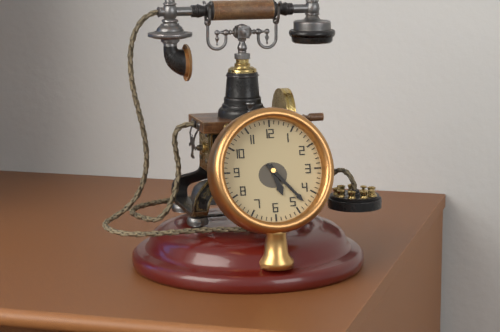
5.23
